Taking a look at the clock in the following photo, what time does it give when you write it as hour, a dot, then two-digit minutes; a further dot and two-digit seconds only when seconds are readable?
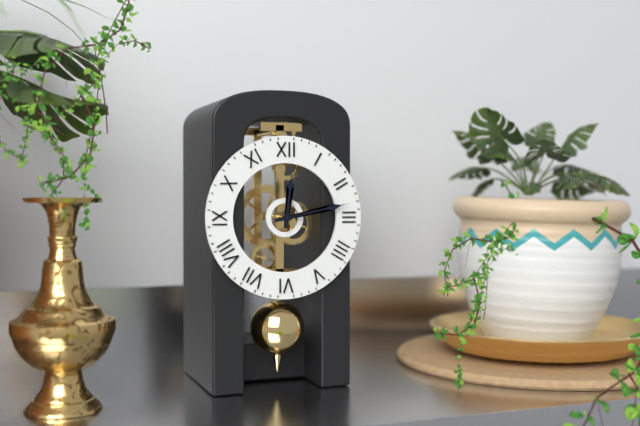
12.13
